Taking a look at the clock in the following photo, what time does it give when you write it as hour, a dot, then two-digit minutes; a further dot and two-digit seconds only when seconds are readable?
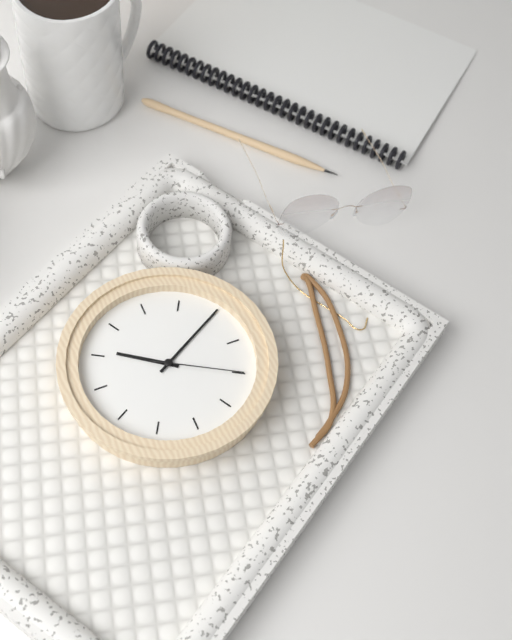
10.10.20
